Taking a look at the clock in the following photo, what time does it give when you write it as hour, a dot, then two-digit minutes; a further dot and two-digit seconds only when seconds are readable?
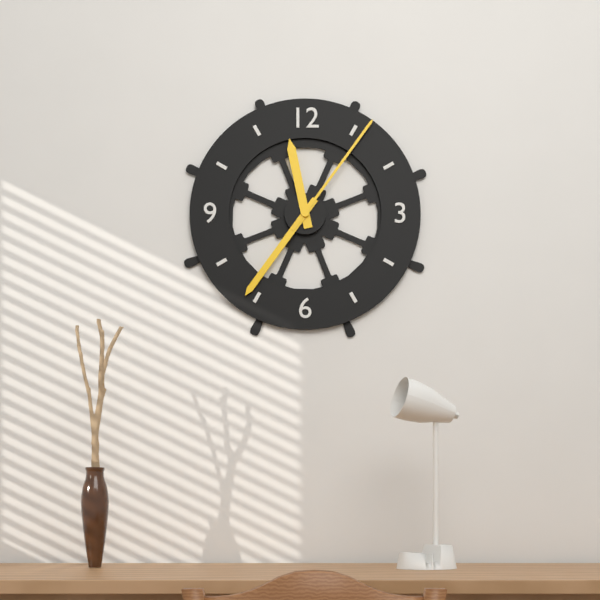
11.36.06
